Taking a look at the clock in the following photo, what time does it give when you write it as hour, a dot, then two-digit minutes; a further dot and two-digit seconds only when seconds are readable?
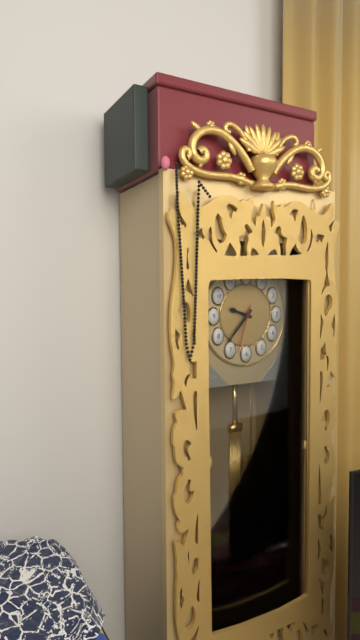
9.37
